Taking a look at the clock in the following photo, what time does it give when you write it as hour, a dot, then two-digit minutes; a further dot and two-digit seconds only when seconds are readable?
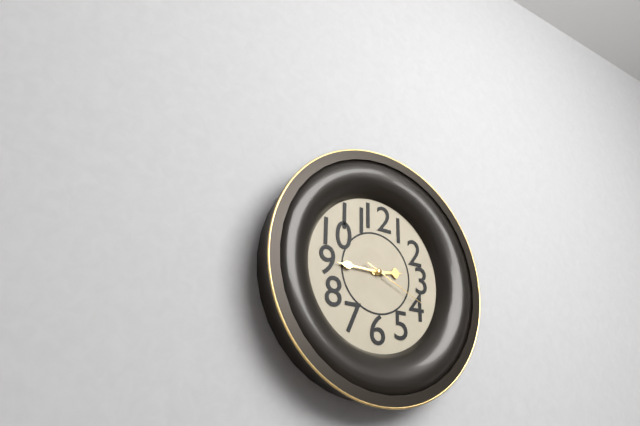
2.45.19
